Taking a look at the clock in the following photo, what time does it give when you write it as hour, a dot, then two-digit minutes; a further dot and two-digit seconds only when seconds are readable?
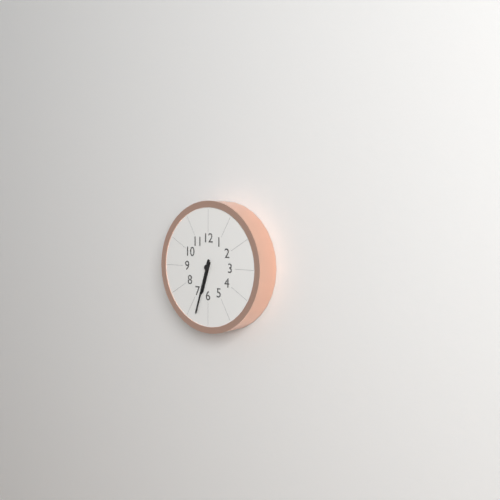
6.33
